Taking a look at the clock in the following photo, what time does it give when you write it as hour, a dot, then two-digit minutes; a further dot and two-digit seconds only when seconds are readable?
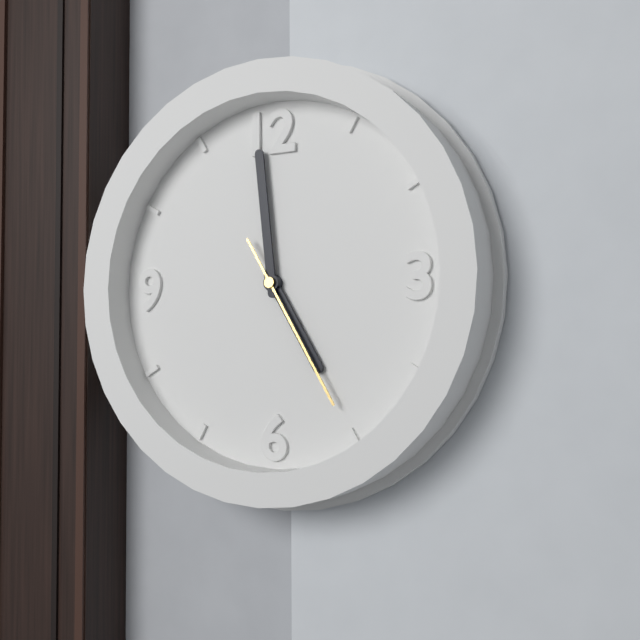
4.59.25
